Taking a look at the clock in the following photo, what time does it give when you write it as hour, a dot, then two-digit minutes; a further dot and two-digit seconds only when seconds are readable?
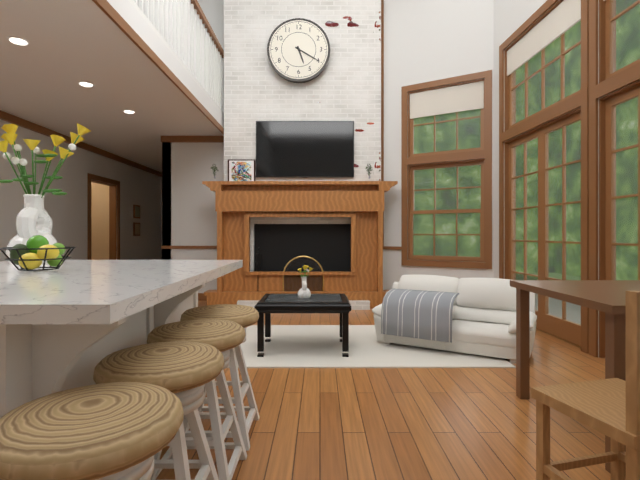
5.20
